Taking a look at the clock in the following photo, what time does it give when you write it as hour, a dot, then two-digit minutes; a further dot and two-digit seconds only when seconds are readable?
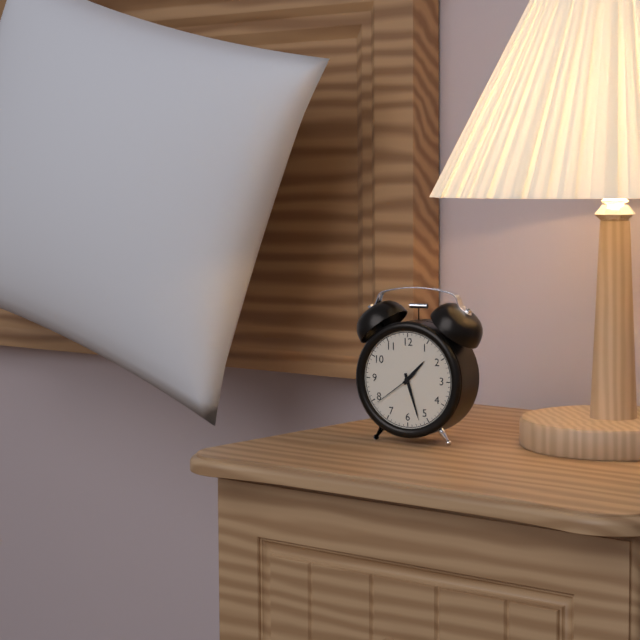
1.27.39
